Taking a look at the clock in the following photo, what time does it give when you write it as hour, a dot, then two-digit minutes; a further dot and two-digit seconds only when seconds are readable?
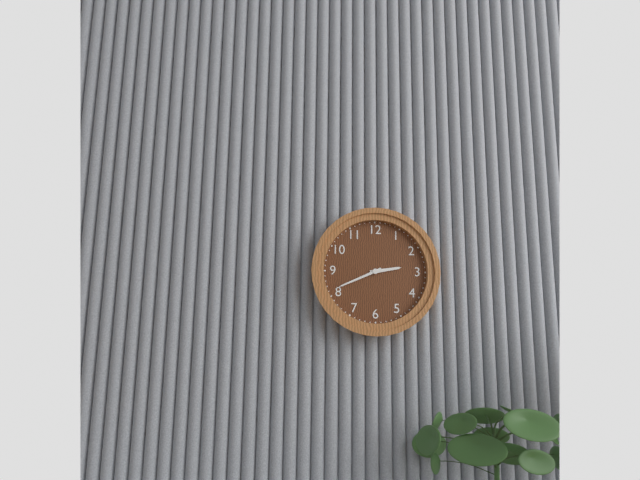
2.41
